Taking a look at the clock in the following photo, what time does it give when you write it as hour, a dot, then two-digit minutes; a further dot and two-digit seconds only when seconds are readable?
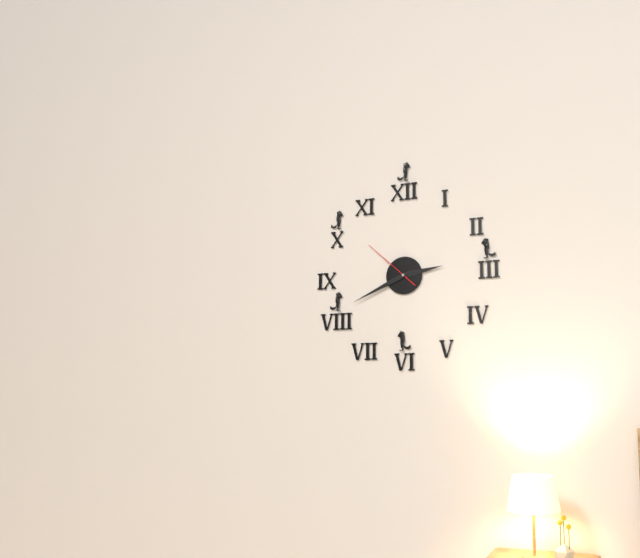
2.41.52
